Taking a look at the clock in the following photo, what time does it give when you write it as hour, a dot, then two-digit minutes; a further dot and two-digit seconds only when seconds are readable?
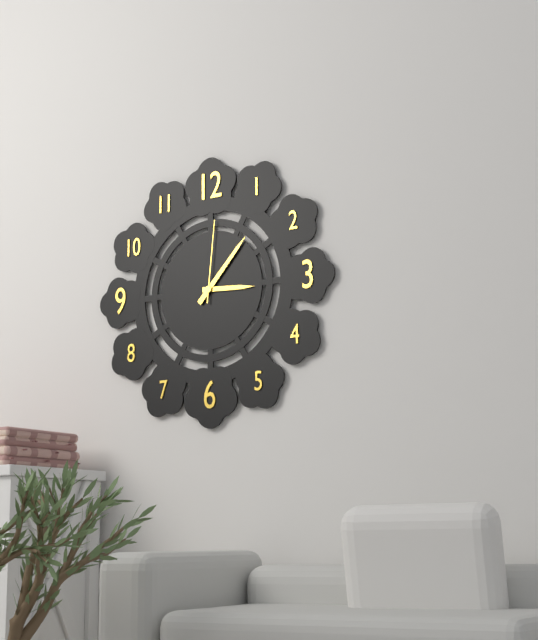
3.07.01
